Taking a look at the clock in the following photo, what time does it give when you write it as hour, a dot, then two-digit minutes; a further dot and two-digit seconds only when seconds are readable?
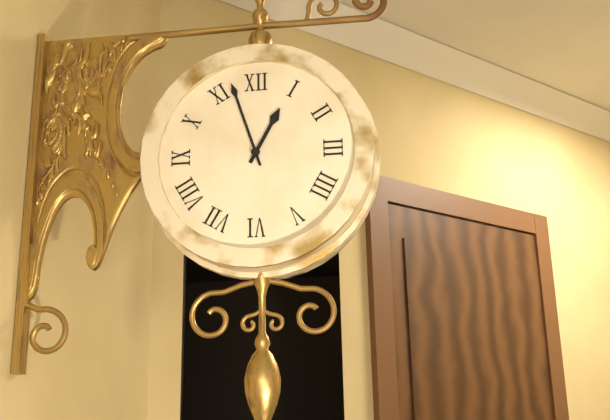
12.57
